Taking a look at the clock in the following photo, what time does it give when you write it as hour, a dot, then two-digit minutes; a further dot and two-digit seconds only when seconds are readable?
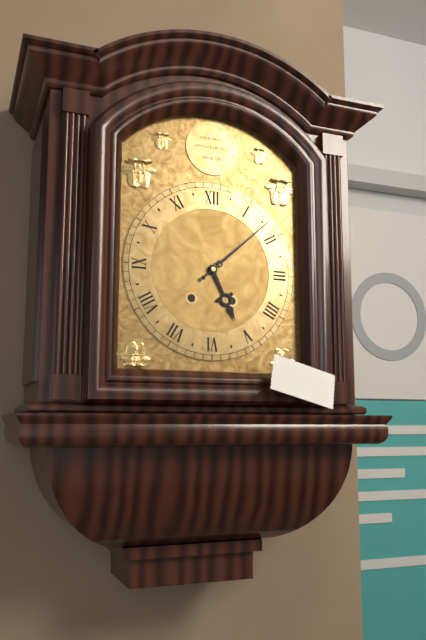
5.08
